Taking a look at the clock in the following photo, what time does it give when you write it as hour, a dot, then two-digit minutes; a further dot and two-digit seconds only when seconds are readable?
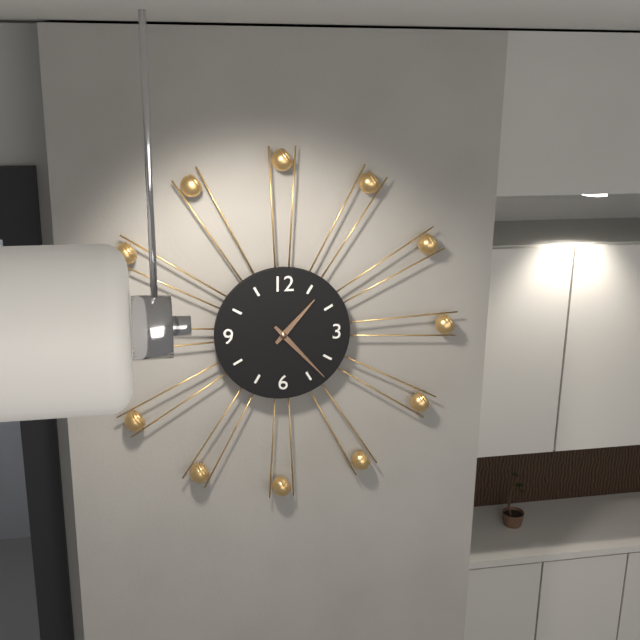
1.23
